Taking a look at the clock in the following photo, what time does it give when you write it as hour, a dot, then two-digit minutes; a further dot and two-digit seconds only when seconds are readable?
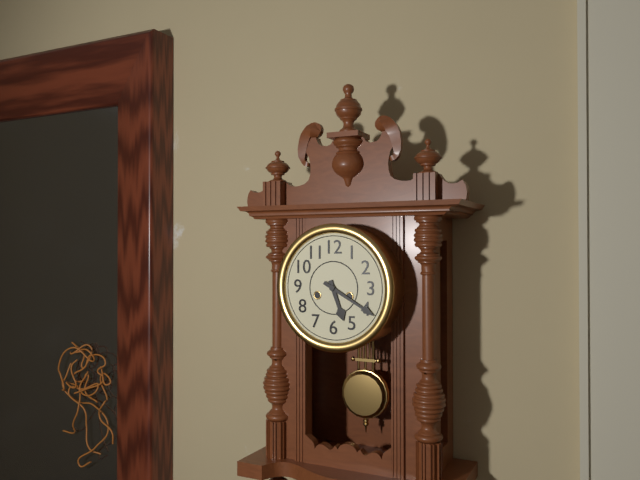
5.20
